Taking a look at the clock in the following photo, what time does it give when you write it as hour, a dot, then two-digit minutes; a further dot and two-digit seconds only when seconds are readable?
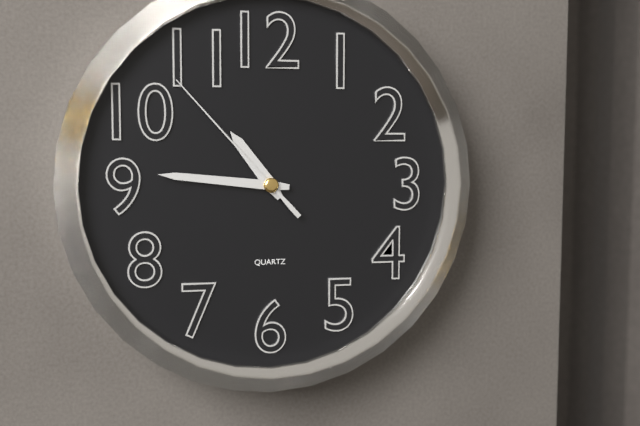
10.46.53
